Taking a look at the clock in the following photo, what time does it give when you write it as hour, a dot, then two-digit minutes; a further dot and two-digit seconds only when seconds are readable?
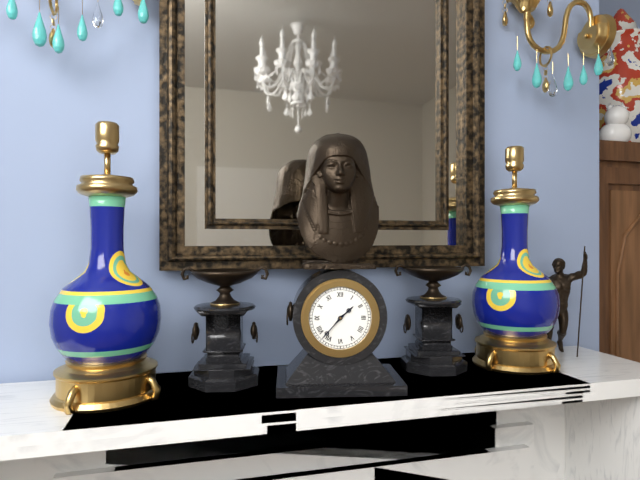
1.37
